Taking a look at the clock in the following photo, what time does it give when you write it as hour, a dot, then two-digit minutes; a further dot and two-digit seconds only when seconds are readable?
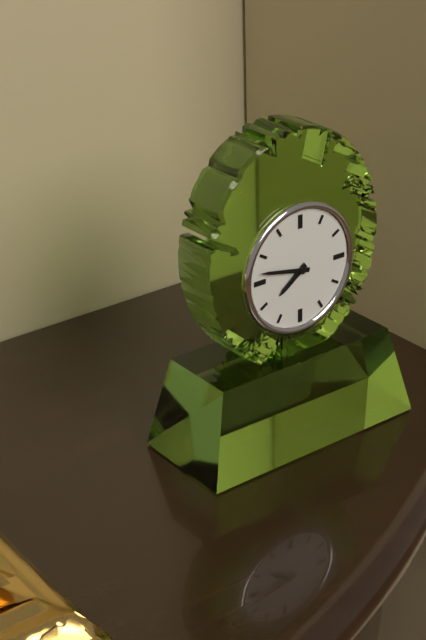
7.47
